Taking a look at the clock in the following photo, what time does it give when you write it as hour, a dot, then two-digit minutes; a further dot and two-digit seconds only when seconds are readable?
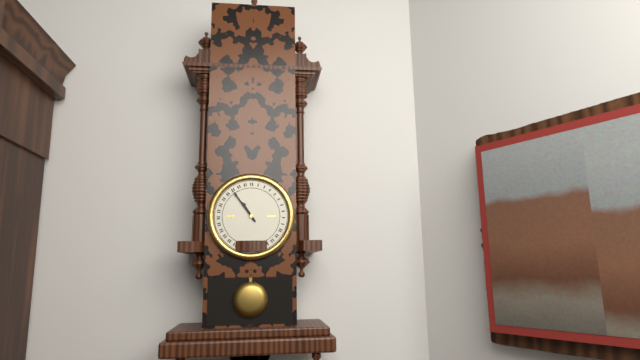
10.54
